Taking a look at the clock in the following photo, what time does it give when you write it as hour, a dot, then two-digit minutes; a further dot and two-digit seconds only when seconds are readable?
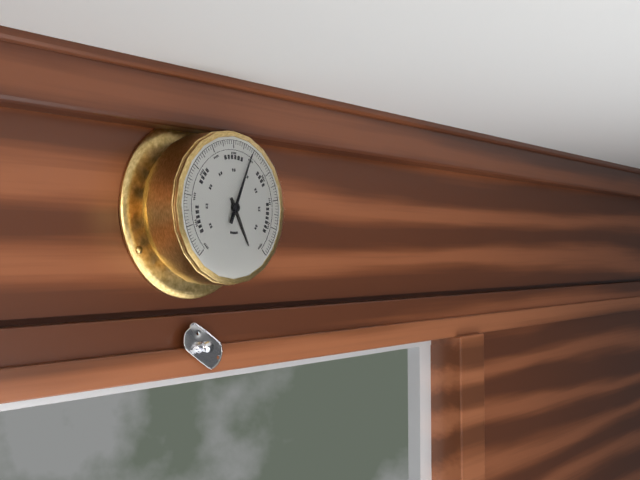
5.04
